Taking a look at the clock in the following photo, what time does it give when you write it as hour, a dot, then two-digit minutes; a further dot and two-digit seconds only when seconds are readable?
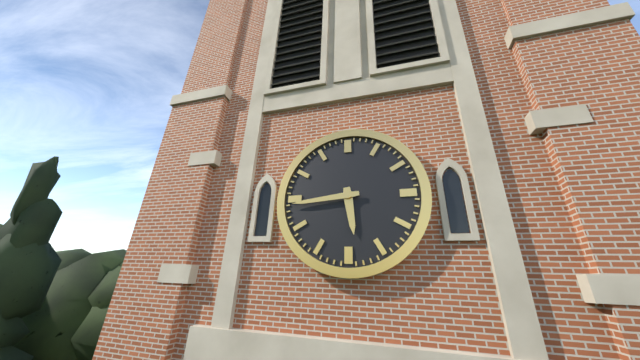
5.44
